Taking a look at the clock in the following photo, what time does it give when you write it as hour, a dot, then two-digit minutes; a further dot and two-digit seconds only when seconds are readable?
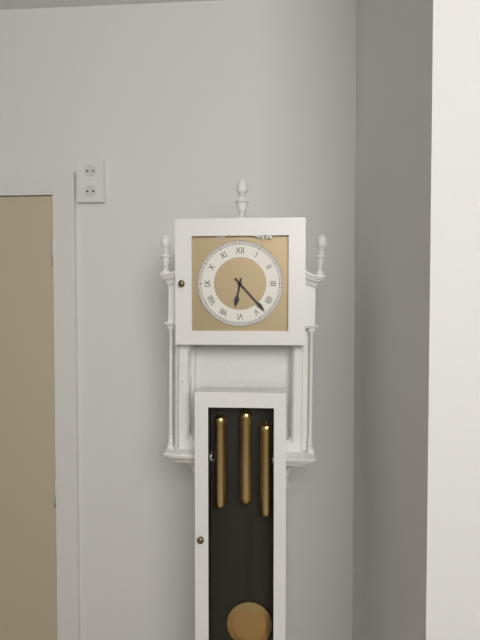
6.23
